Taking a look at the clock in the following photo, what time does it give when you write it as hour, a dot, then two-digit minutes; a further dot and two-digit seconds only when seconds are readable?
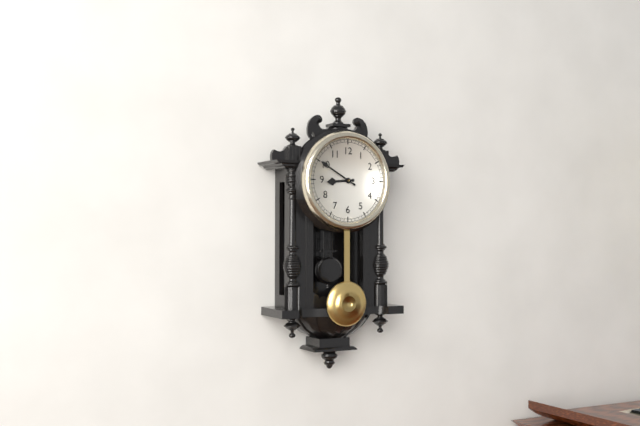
8.50
